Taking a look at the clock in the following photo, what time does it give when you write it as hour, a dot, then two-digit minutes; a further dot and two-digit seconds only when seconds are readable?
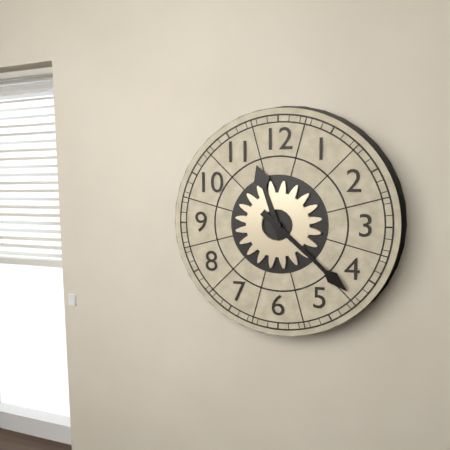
11.22
